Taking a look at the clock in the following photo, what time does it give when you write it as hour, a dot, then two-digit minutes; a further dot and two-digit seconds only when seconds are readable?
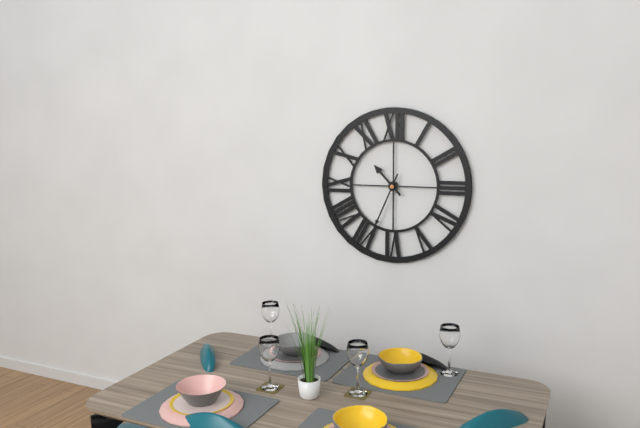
10.34
